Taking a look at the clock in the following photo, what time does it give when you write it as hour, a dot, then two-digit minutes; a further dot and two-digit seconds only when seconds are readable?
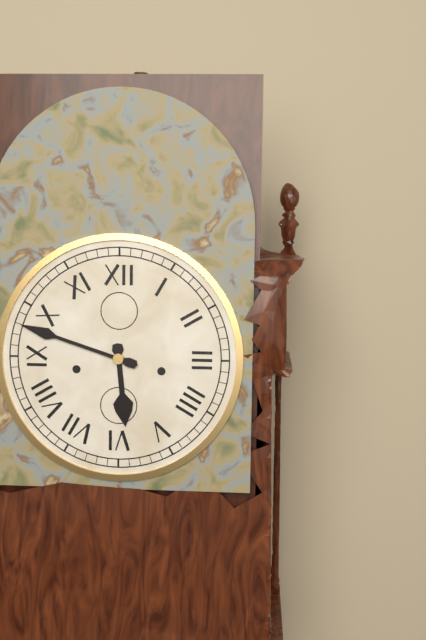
5.48
